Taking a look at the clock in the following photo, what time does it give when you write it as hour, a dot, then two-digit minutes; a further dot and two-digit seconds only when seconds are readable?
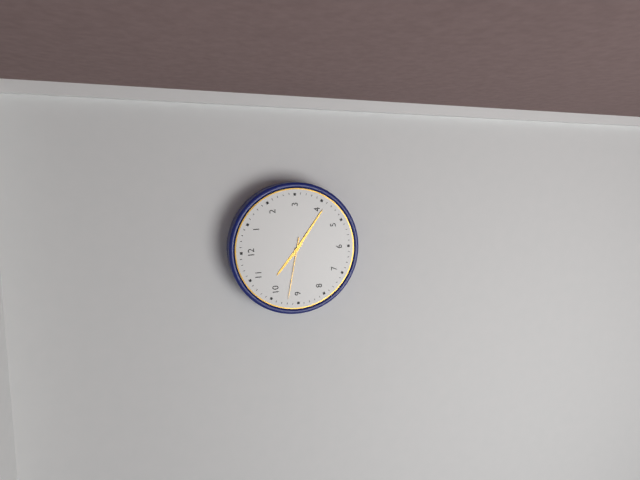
10.21.47
